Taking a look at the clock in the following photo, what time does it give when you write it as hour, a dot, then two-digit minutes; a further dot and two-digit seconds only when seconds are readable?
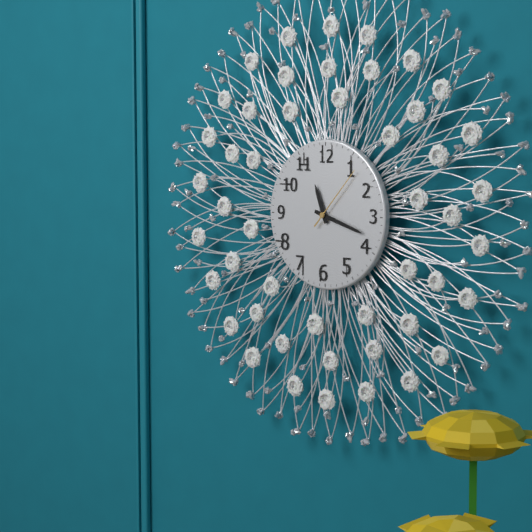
11.18.07
